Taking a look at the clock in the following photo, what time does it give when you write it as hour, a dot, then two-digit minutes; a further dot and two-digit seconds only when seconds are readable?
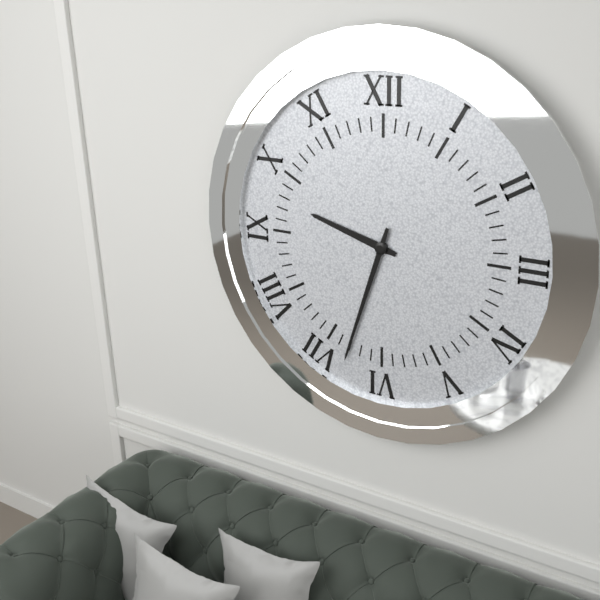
9.33
